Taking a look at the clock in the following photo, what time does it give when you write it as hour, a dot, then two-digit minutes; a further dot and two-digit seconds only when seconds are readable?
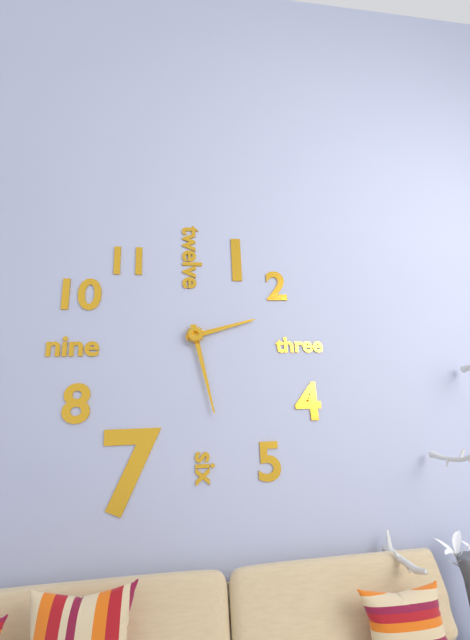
2.28
